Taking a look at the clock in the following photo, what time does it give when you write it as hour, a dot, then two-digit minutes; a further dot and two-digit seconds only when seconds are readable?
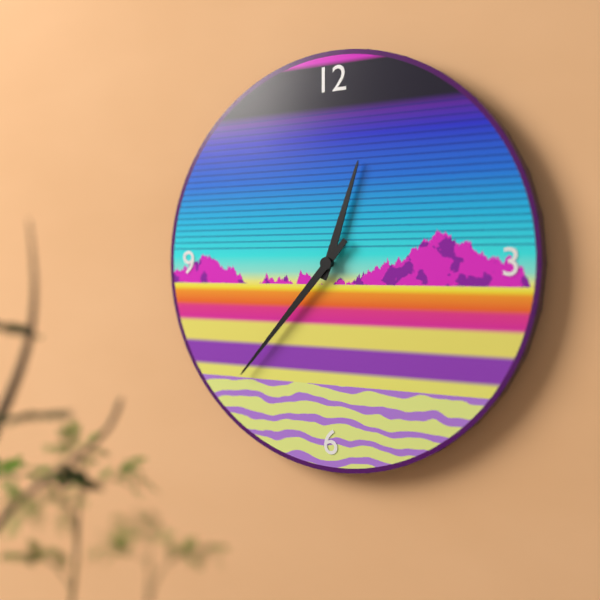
12.37
